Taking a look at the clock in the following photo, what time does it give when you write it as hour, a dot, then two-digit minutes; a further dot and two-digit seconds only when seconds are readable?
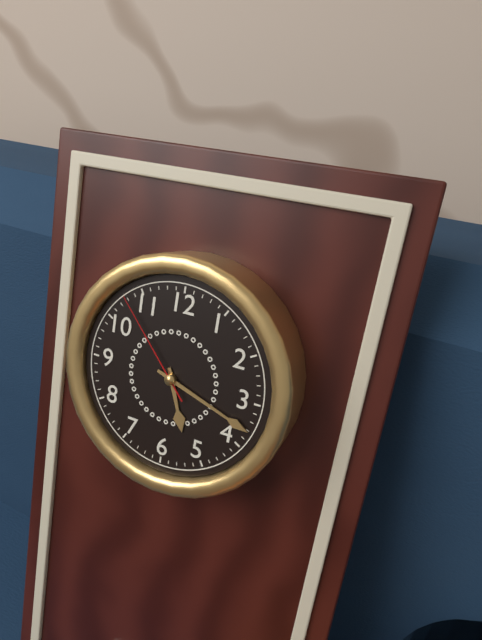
5.18.53
